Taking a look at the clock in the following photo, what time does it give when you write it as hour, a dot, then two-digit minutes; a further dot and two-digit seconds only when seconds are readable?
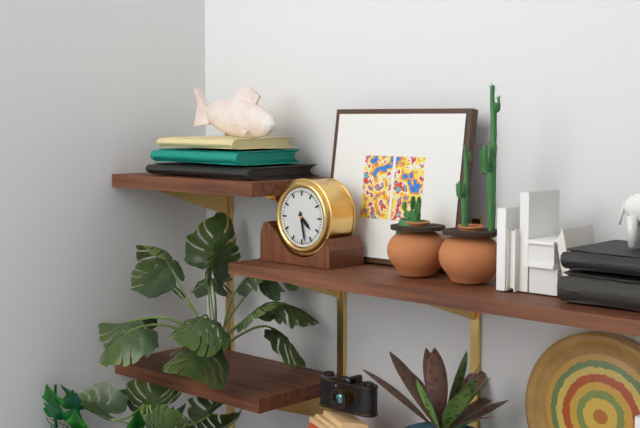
4.28
